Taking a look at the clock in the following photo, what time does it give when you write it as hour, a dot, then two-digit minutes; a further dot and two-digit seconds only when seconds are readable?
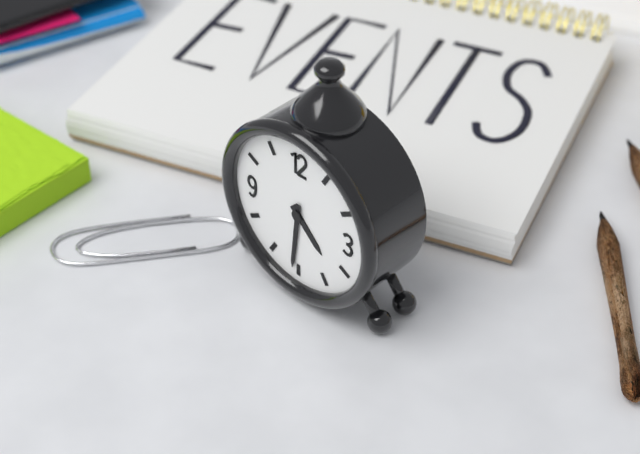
4.31
